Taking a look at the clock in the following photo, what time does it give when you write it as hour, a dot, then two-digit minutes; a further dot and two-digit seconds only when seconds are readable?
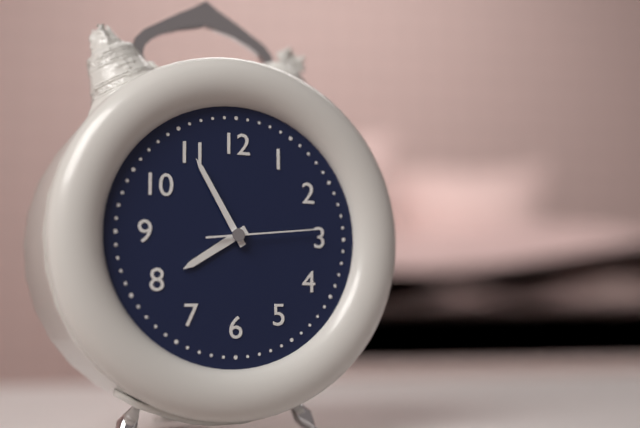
7.55.14
